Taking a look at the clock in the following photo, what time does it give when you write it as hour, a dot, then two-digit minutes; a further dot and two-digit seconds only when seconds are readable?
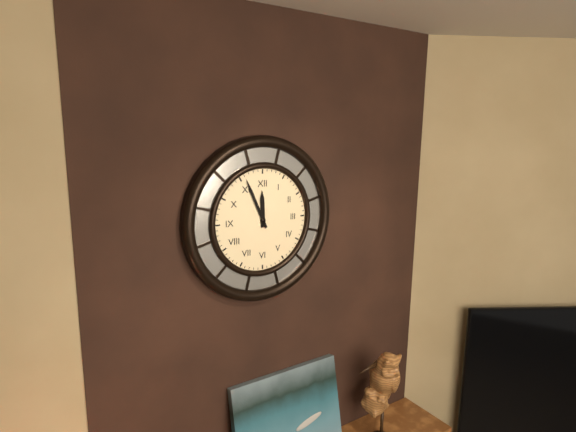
11.56
